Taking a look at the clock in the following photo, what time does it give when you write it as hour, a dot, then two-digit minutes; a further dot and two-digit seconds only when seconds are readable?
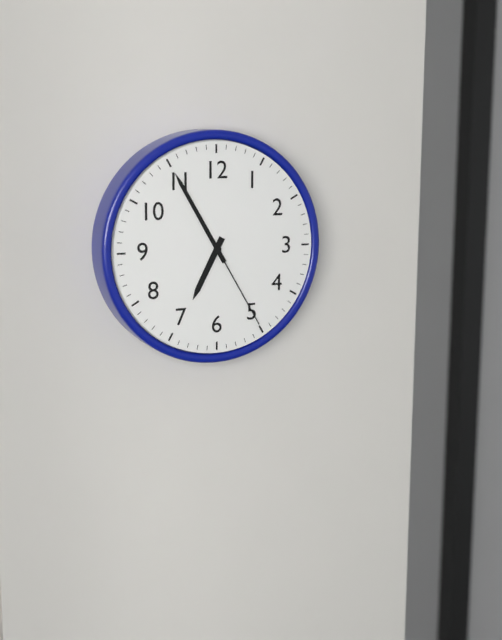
6.55.25
